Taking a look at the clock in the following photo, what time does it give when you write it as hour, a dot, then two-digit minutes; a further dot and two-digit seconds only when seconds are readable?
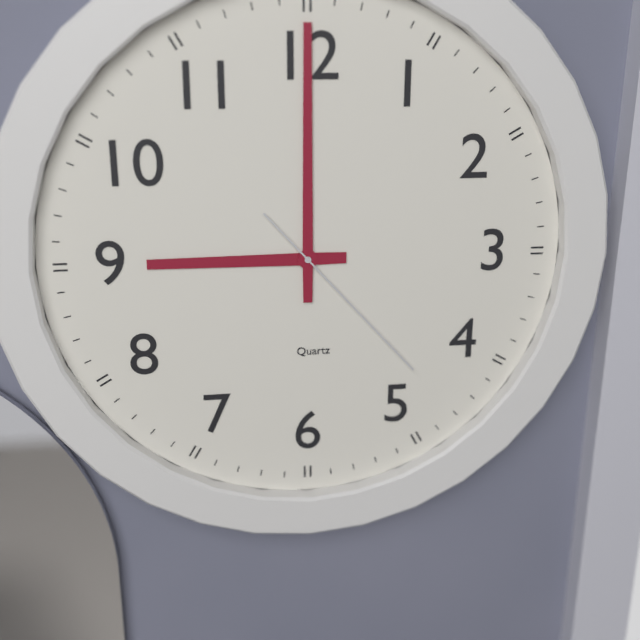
9.00.23
